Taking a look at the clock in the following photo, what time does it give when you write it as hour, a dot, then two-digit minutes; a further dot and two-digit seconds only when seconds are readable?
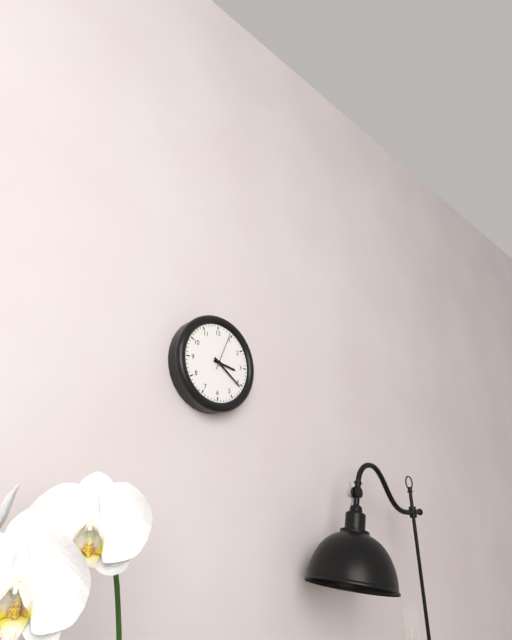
3.21
